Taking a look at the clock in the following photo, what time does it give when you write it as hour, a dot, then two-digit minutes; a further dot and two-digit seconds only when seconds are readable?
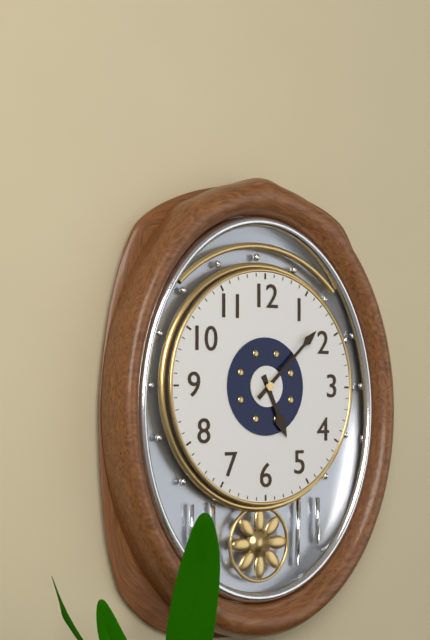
5.08
